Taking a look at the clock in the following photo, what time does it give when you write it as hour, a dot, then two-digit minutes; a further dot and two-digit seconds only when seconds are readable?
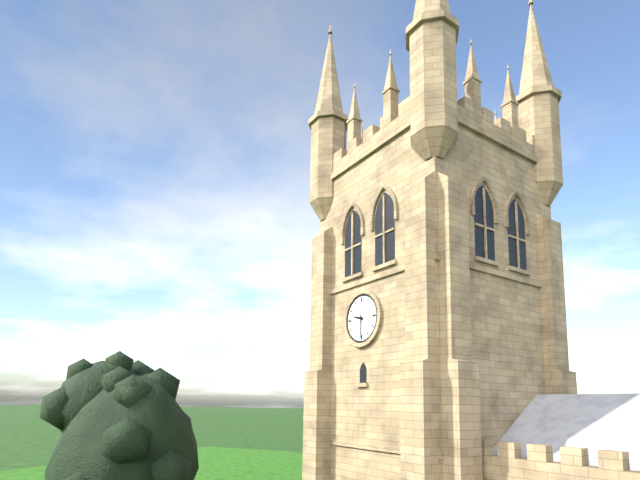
9.30
